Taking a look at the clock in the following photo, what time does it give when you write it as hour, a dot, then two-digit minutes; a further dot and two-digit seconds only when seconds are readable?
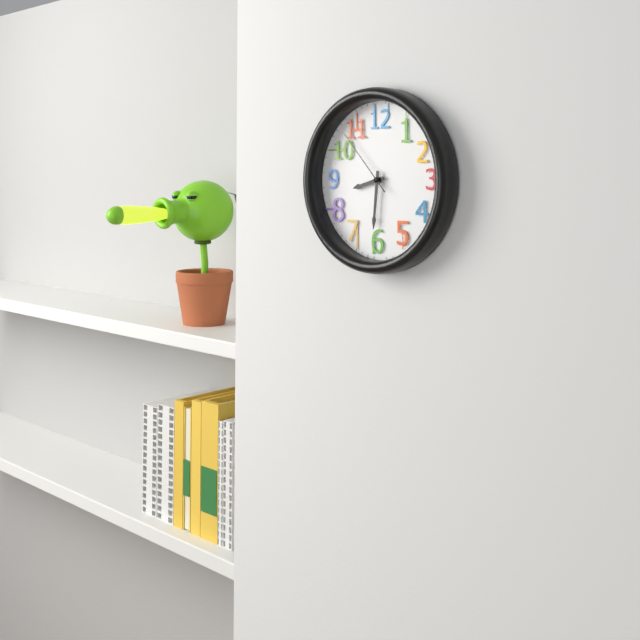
8.31.53
